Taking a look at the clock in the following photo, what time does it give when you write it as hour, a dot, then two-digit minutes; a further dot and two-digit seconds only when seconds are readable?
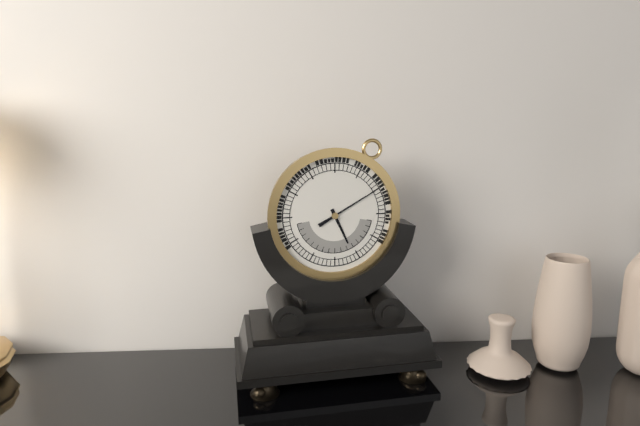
5.10
